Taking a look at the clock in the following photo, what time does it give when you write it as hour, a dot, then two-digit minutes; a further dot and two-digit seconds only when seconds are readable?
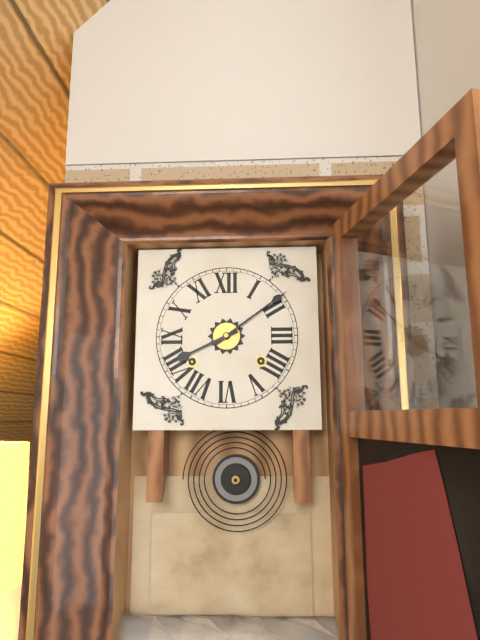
8.09
